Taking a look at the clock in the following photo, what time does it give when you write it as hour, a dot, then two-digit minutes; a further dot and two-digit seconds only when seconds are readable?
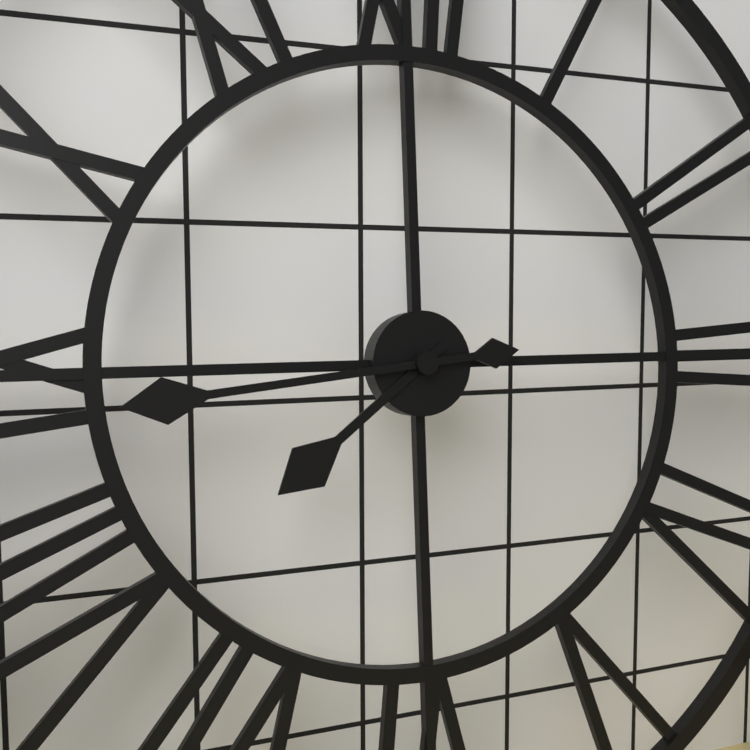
7.44
